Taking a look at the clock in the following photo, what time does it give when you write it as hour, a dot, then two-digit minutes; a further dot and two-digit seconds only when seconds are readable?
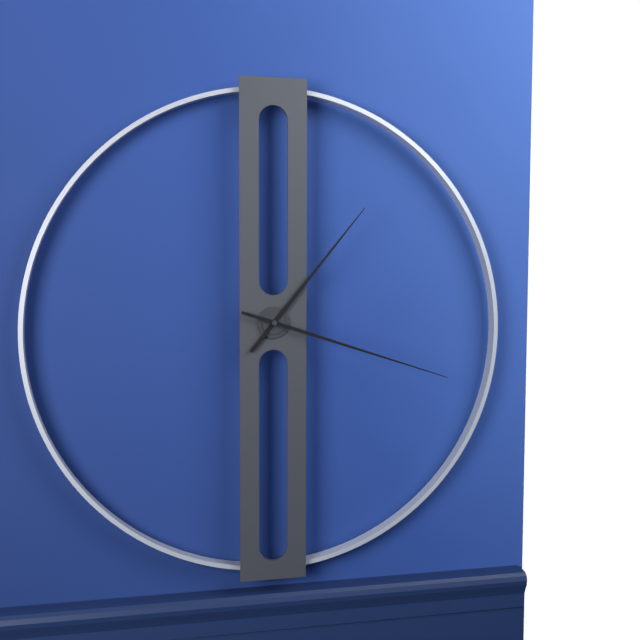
1.18
